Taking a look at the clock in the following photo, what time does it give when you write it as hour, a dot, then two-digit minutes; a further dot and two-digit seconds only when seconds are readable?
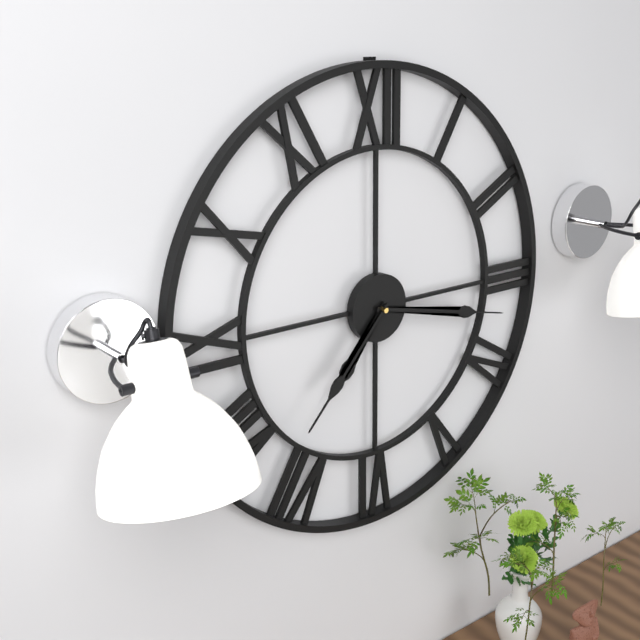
7.17.37
